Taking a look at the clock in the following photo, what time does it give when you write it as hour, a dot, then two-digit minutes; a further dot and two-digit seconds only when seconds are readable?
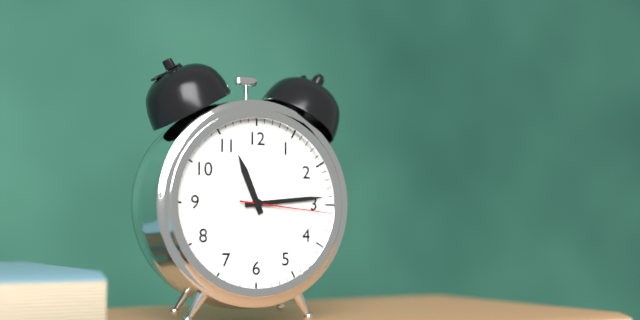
11.14.16
